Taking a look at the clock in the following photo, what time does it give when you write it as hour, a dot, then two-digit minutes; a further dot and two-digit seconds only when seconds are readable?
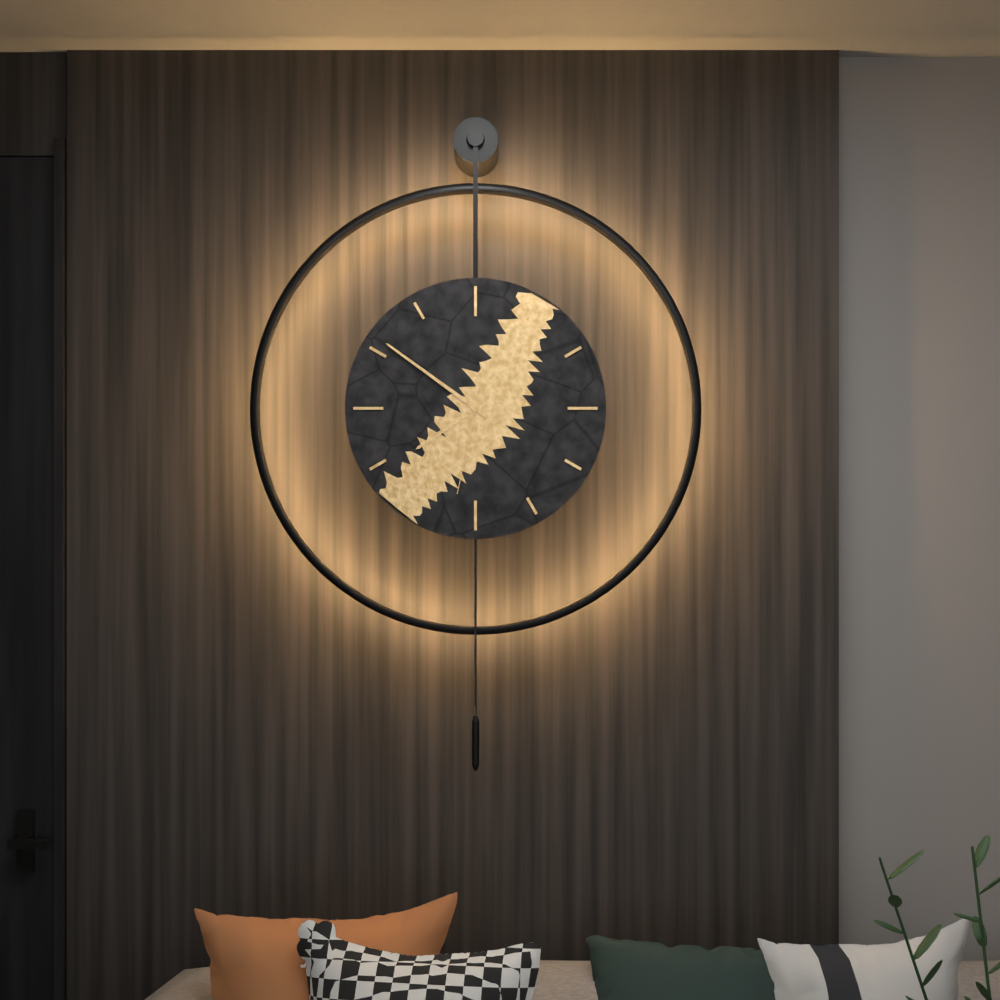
7.51.32
